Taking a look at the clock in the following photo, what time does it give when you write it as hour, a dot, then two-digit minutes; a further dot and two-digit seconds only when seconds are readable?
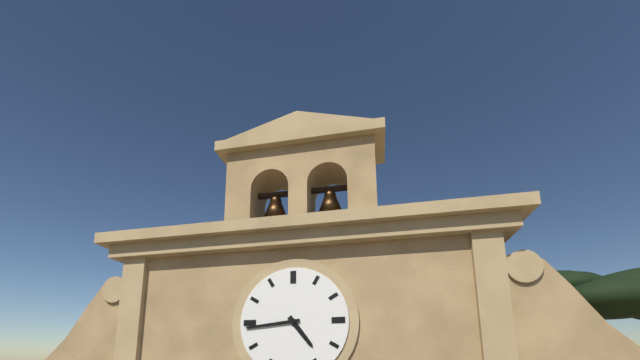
4.44
